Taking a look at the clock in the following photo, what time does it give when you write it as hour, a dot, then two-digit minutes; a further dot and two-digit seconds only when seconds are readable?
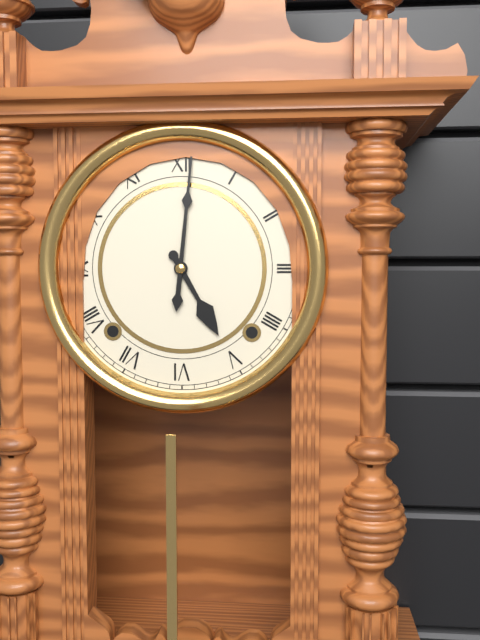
5.01
